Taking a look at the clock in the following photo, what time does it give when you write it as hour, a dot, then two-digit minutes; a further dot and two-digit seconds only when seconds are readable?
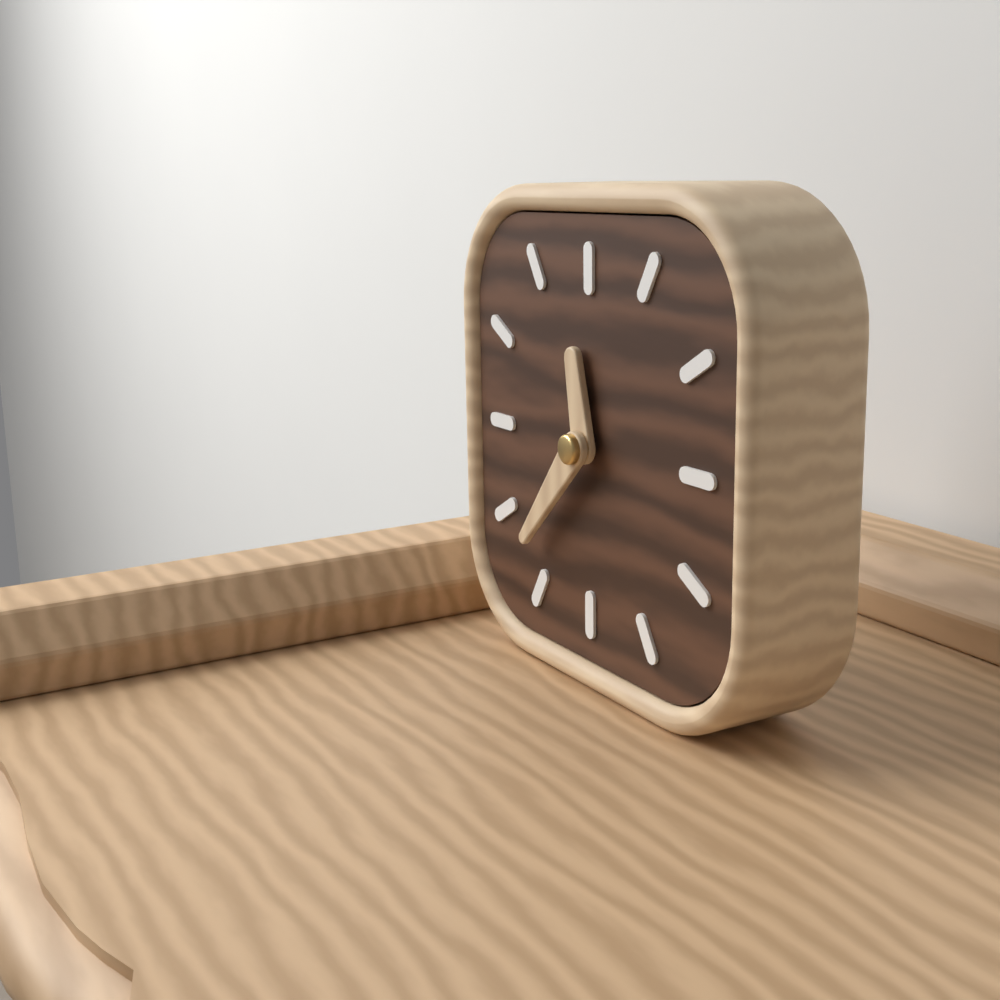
11.37
